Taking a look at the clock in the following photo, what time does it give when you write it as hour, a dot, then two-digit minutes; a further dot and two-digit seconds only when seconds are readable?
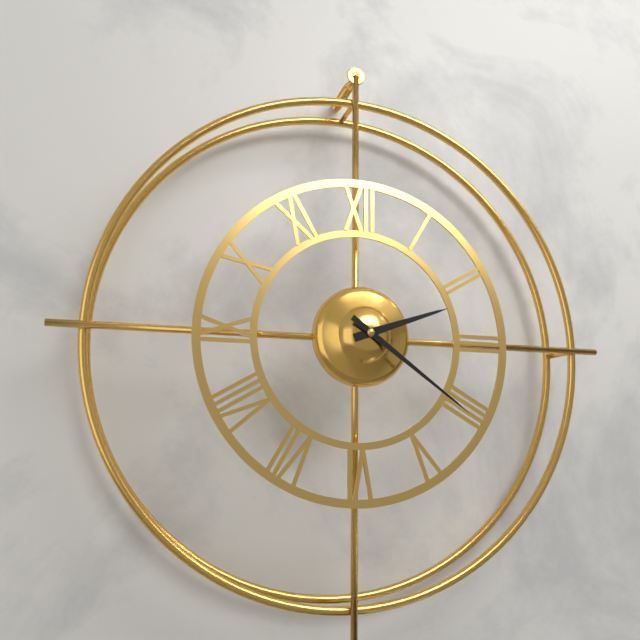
2.21
